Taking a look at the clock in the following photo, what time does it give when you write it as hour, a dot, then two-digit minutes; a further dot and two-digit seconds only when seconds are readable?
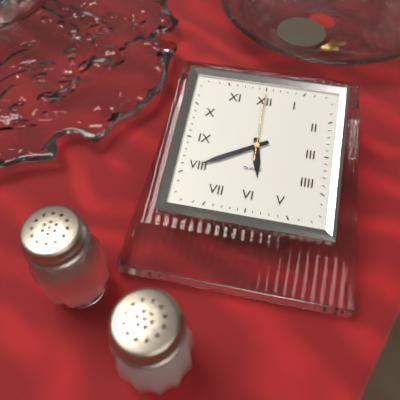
5.40.00
